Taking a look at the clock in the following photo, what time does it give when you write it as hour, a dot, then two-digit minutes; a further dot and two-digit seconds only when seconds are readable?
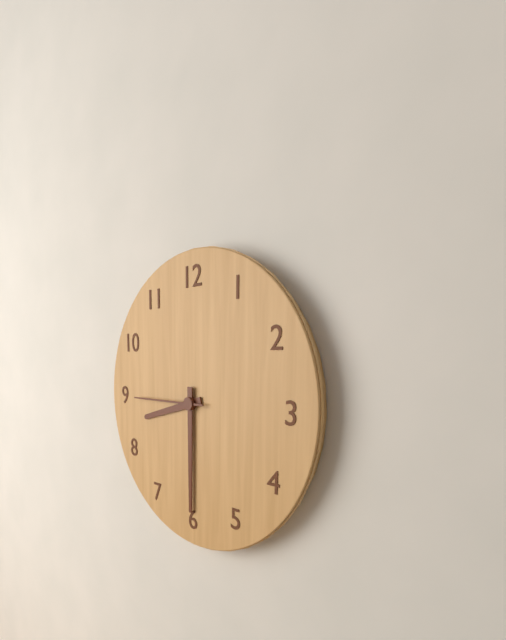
8.30.45
